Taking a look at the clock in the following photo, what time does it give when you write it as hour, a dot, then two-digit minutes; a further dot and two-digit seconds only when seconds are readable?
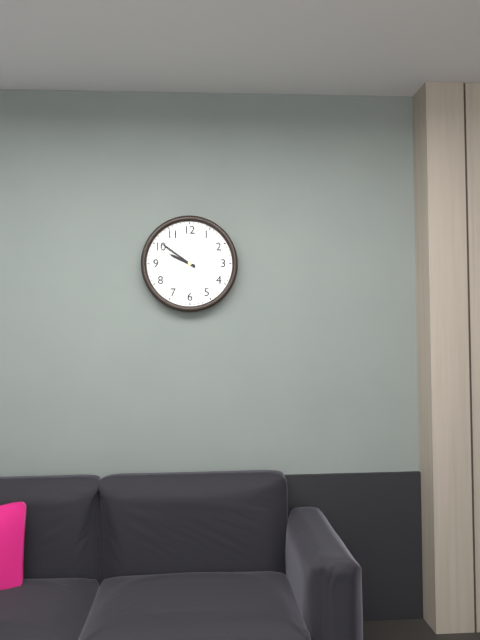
9.51
